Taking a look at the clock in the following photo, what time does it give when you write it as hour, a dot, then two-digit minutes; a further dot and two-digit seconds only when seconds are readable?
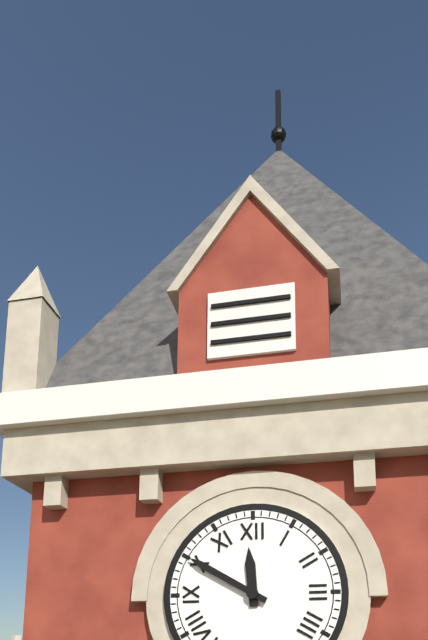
11.50
